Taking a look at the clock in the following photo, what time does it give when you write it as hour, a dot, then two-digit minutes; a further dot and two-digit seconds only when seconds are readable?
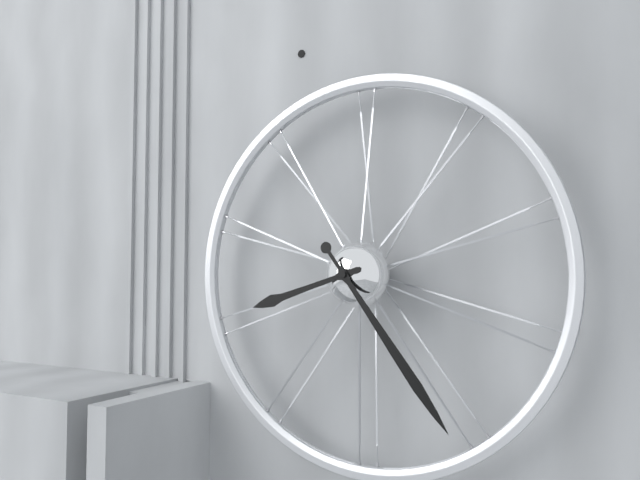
8.24
